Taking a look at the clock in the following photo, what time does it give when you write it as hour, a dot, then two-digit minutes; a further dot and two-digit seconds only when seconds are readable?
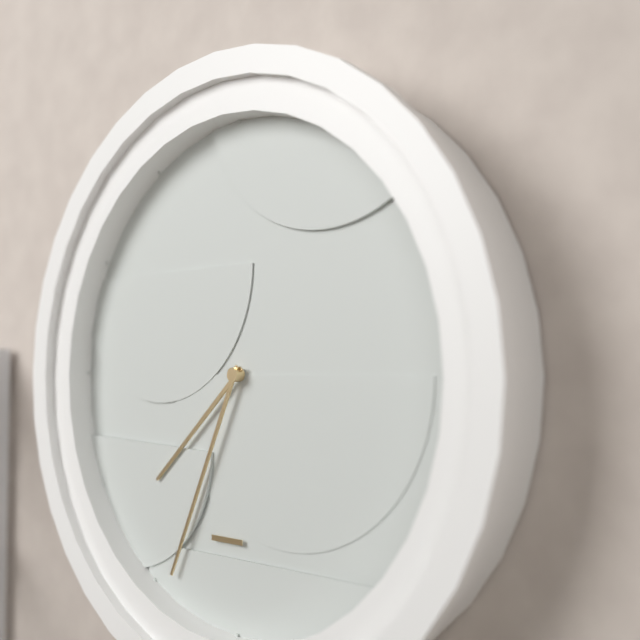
7.34
